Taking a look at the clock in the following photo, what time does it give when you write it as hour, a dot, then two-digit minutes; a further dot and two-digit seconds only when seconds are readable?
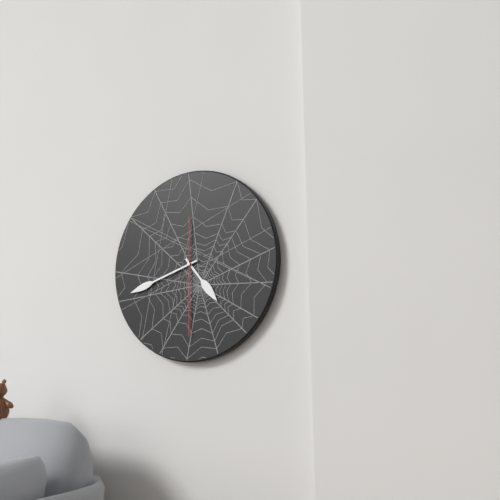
4.42.30
